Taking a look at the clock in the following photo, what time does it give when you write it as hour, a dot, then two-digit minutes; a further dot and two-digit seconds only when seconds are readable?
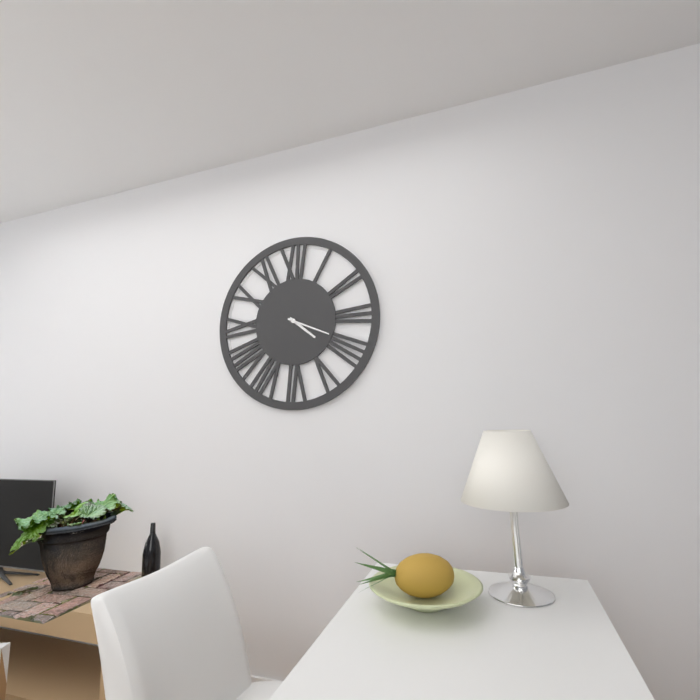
4.19
